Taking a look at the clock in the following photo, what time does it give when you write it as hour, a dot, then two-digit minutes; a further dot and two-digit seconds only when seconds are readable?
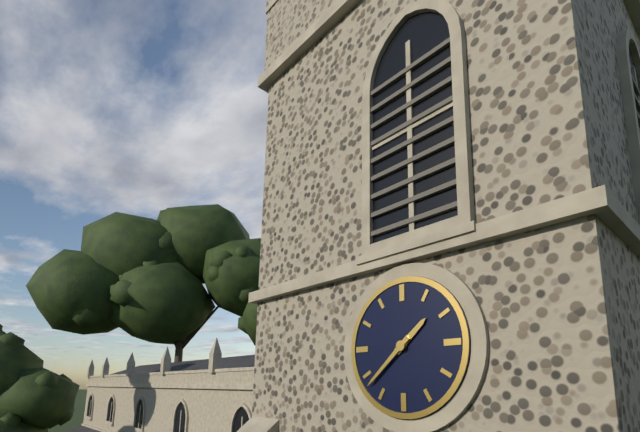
1.38
